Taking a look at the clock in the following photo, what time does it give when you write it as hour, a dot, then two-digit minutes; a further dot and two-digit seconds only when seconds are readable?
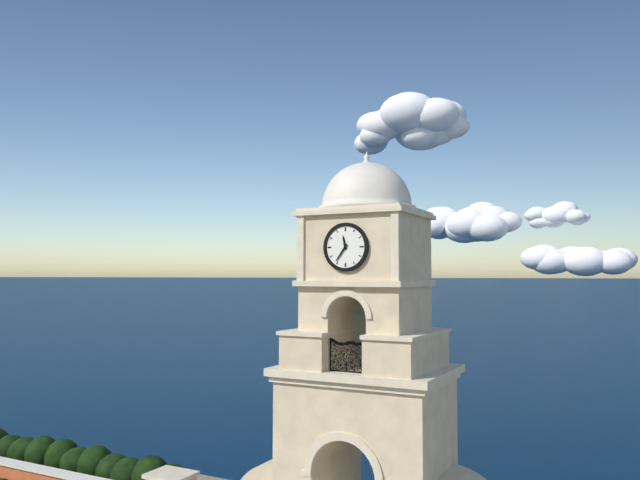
11.36
